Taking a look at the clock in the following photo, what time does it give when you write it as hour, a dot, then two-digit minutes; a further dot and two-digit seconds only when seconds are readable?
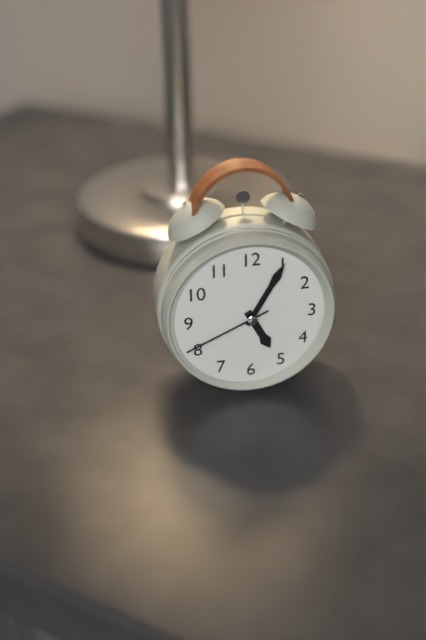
5.05.41
